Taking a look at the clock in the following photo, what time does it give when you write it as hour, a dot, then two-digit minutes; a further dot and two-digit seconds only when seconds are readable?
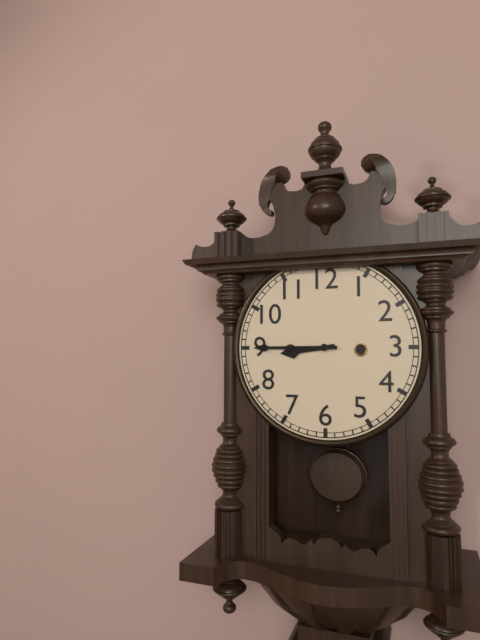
8.45
